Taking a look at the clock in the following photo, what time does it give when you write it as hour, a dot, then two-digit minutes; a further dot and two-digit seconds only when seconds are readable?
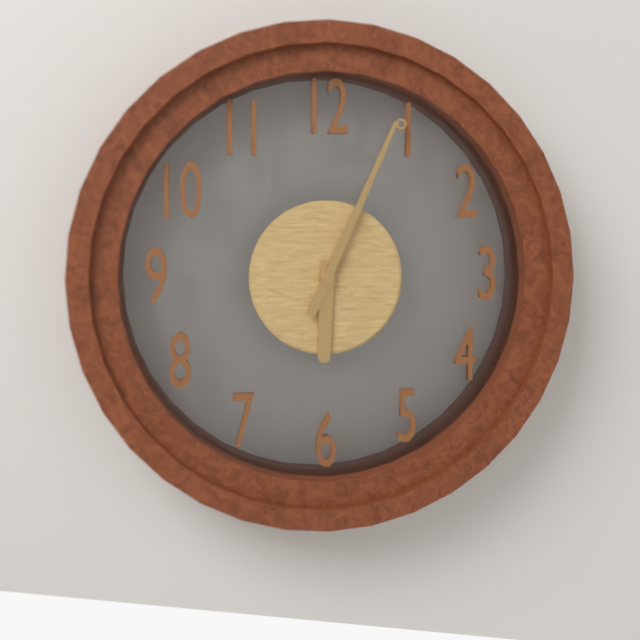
6.04
